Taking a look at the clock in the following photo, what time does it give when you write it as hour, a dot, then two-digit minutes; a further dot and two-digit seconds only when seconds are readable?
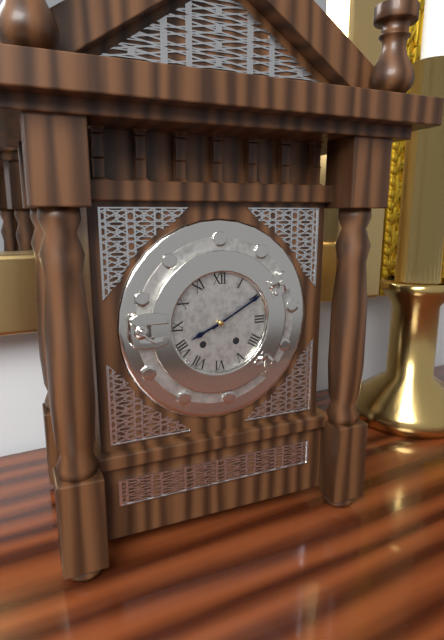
8.10
